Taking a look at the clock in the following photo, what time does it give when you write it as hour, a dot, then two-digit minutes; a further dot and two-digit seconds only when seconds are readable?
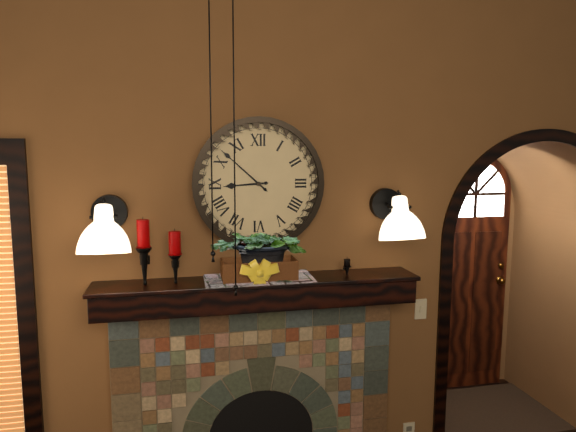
8.52
